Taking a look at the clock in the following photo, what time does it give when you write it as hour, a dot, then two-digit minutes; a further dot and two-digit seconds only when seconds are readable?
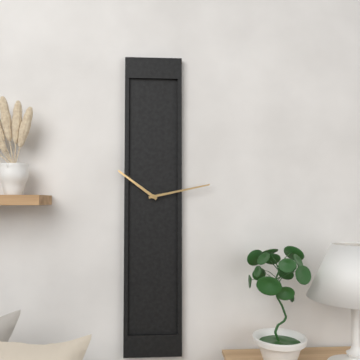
10.13
